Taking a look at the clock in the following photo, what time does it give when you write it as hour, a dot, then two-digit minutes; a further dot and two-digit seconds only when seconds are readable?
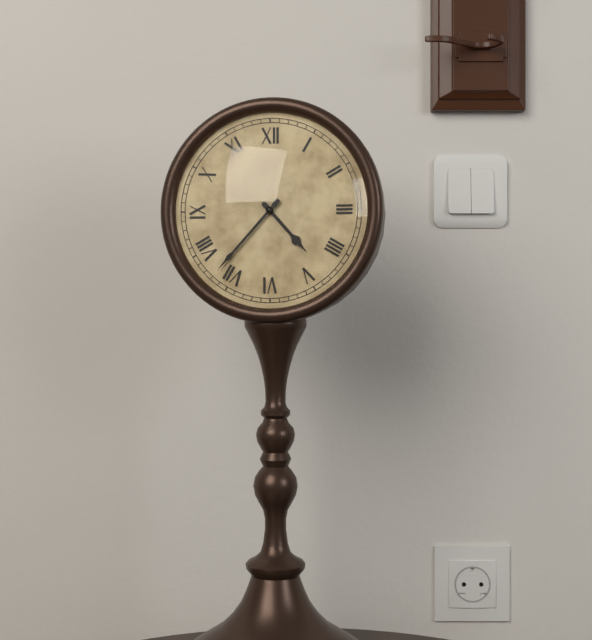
4.37
